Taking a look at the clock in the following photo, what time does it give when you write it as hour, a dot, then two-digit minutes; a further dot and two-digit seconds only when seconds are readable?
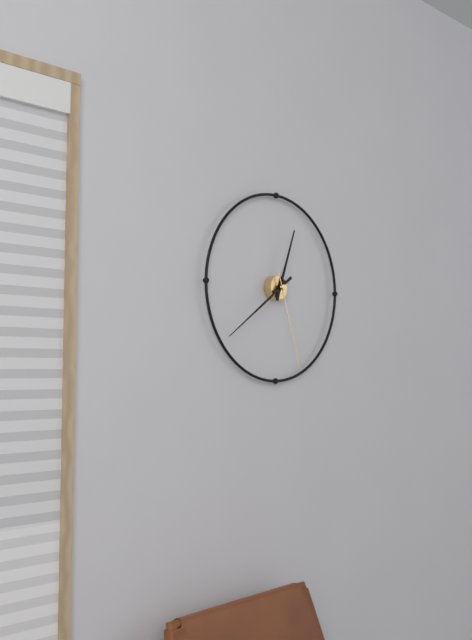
12.39.27
